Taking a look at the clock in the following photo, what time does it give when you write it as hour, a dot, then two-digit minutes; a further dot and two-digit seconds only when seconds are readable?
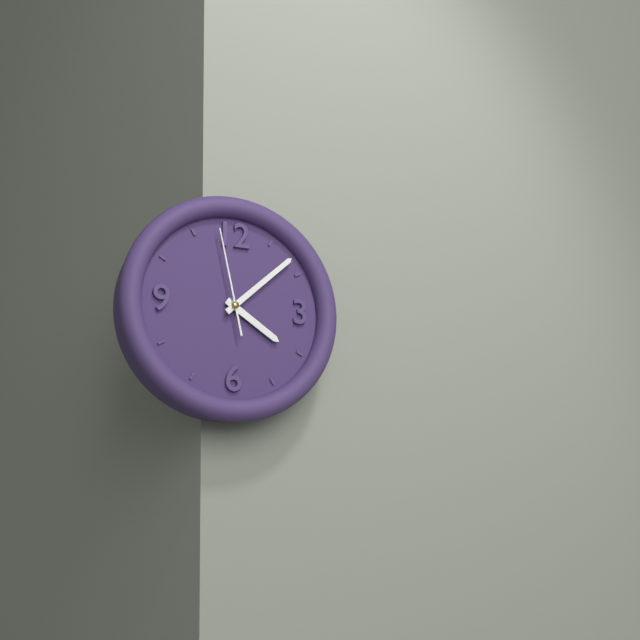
4.08.58
